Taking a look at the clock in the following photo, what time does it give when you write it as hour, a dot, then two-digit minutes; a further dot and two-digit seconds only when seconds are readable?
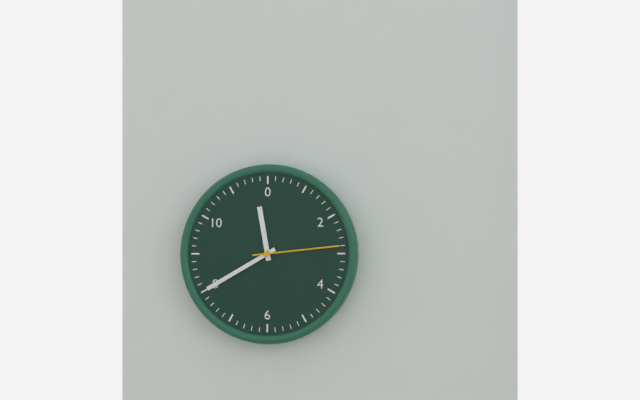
11.40.14
